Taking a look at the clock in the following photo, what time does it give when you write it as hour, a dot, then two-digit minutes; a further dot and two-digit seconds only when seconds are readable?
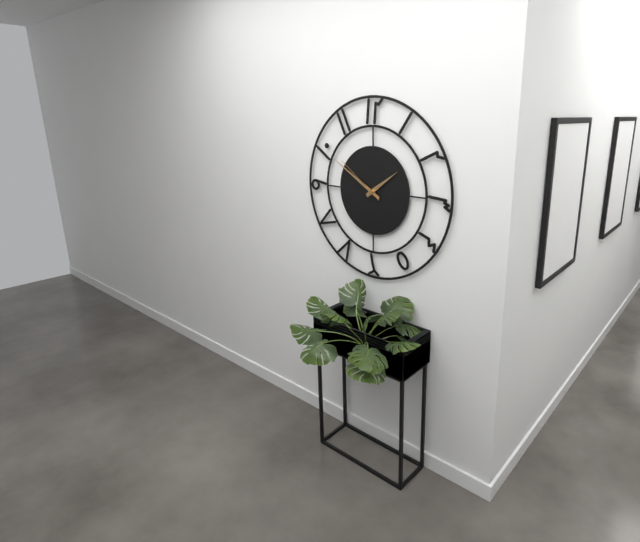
1.50.51
